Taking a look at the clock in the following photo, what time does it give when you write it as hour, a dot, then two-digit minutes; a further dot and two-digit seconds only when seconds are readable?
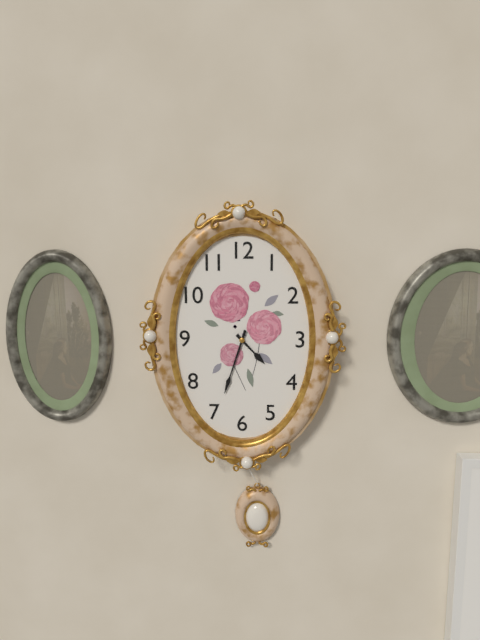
4.33
